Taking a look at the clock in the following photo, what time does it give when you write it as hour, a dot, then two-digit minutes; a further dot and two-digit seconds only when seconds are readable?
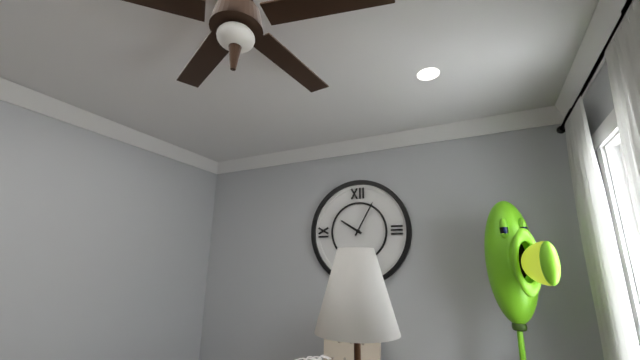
10.05
